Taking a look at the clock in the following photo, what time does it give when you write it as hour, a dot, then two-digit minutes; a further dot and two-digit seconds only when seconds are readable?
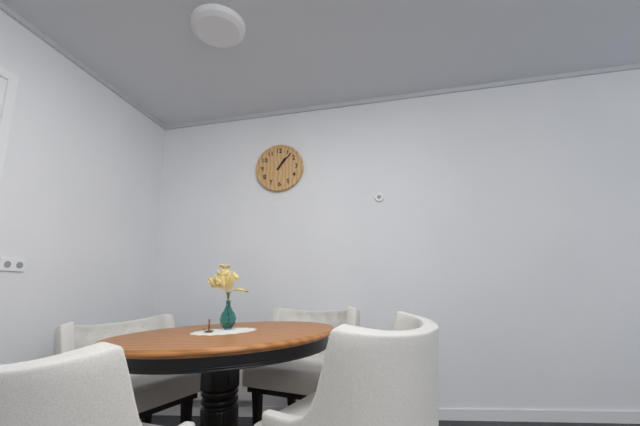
1.07
